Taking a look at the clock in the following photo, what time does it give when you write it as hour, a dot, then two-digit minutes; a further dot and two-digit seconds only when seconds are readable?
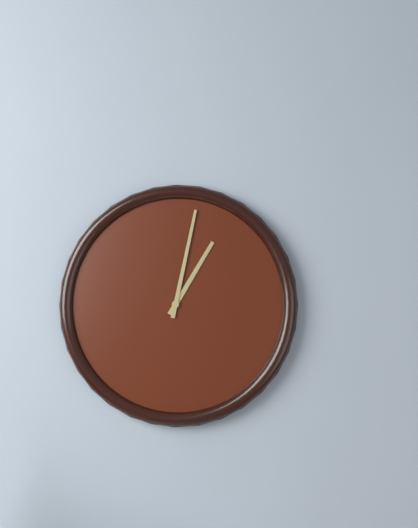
1.02
